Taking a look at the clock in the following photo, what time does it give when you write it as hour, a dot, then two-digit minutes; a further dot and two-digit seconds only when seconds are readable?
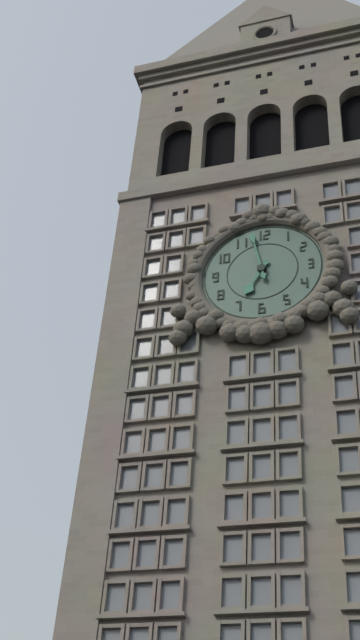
6.58
